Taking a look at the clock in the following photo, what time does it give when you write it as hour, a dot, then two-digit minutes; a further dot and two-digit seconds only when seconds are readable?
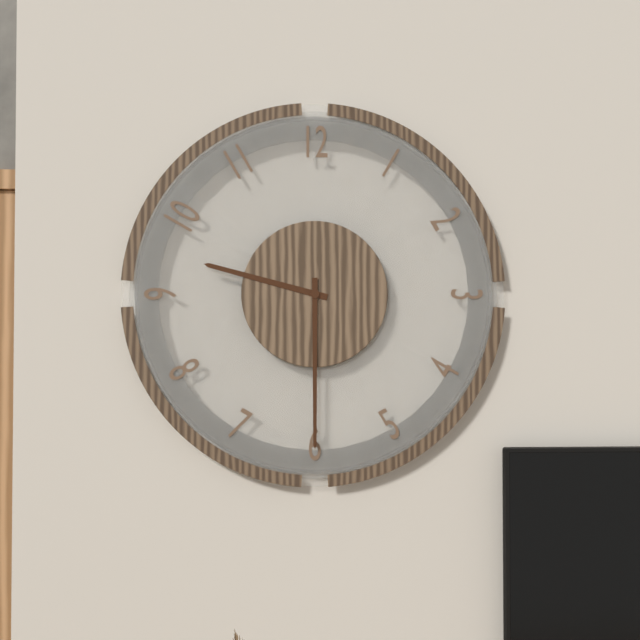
9.30
